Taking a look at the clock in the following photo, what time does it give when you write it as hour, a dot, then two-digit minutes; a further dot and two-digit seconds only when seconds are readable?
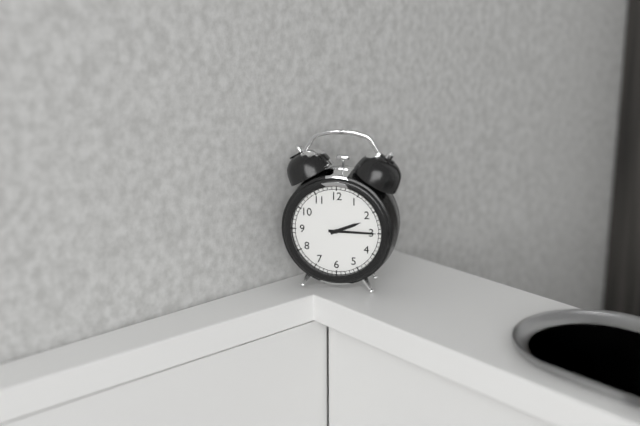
2.15
